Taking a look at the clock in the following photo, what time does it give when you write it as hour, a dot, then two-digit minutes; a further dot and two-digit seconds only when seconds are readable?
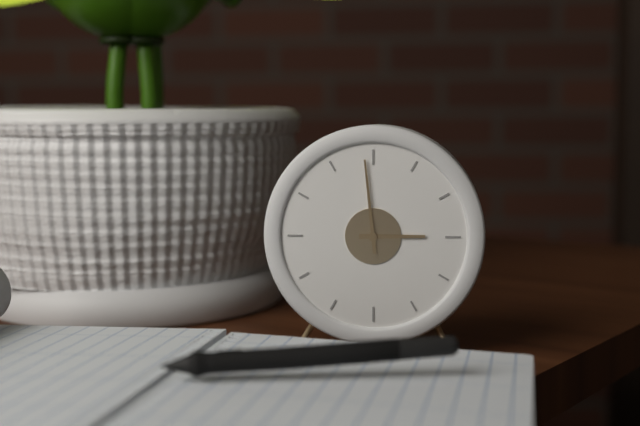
2.59
